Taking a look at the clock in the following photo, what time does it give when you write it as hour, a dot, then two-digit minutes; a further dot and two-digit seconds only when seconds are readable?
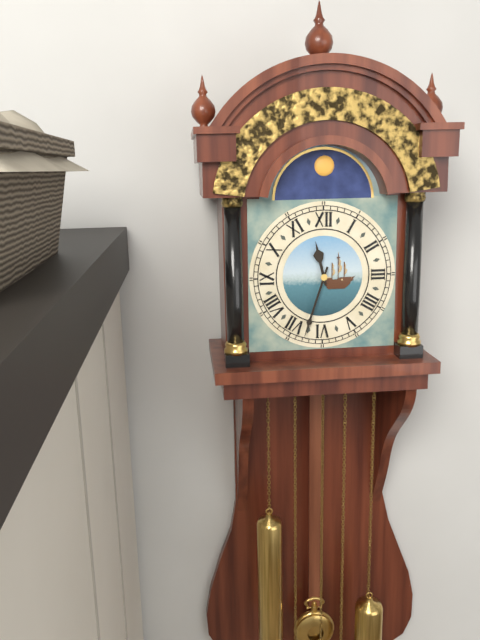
11.33
